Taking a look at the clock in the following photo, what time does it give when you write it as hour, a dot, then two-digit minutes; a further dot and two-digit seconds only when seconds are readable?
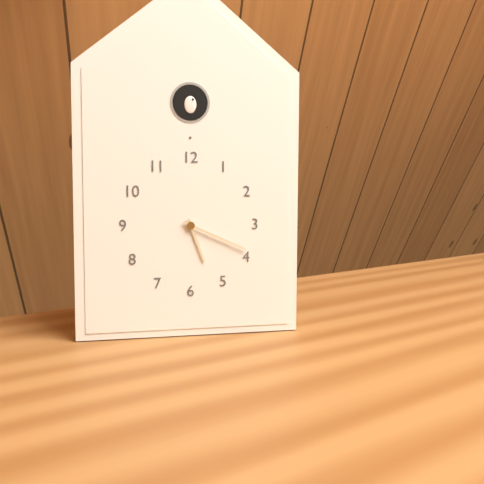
5.19
